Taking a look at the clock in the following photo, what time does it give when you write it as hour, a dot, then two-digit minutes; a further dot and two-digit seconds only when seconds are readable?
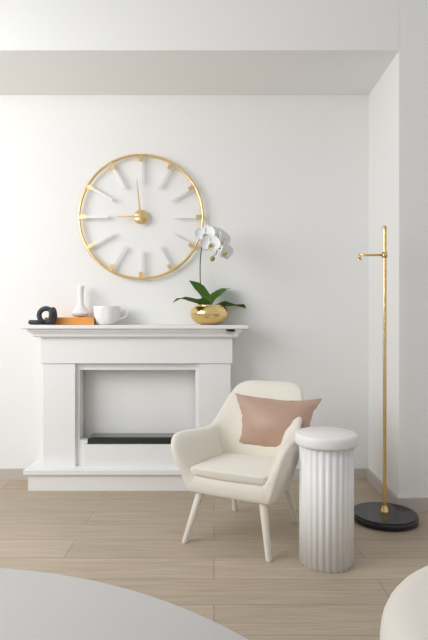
8.59
